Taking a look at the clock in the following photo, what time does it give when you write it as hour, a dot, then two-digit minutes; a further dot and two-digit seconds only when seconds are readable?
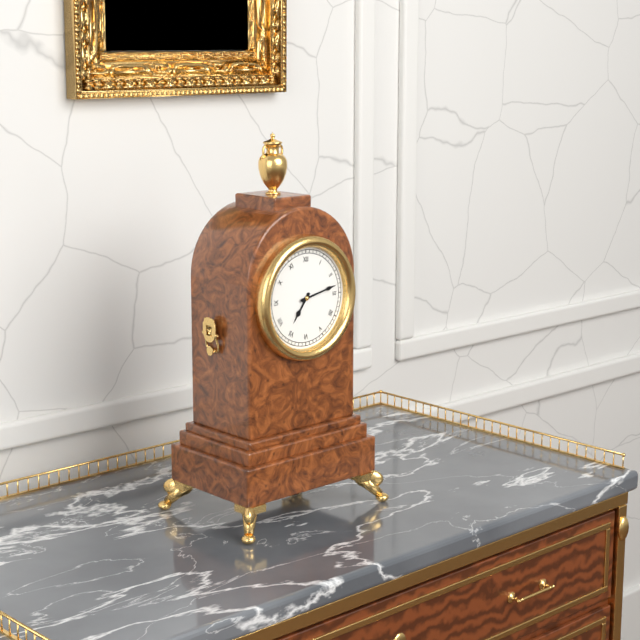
7.13
